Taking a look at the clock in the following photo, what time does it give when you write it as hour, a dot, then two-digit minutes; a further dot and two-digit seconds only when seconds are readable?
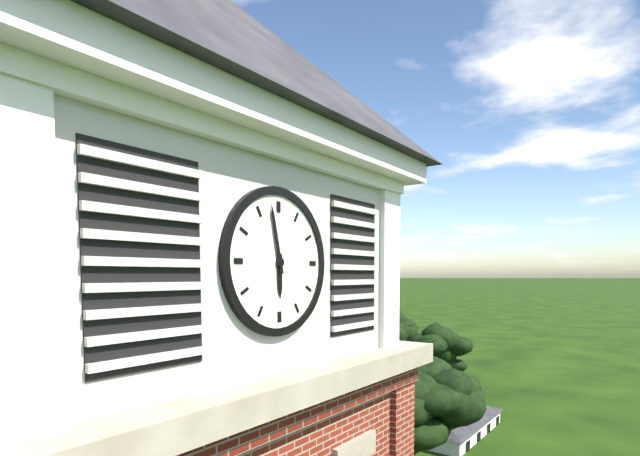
5.58
